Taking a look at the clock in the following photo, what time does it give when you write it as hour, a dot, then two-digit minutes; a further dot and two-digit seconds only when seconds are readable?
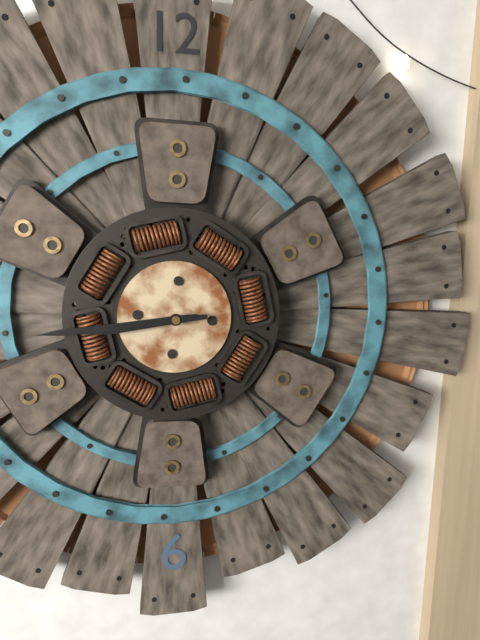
8.44
